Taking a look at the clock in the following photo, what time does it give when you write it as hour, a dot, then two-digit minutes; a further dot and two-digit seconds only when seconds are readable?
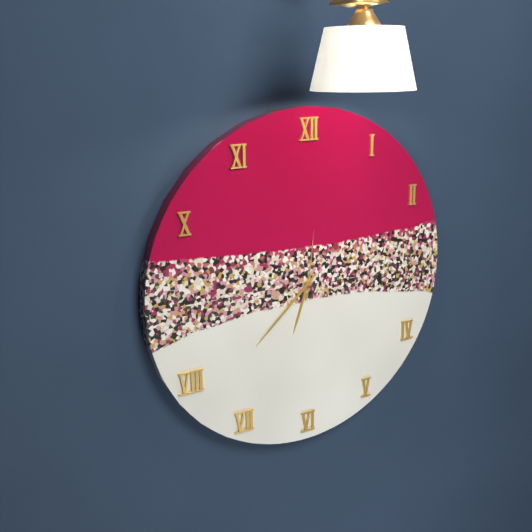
6.38.01
